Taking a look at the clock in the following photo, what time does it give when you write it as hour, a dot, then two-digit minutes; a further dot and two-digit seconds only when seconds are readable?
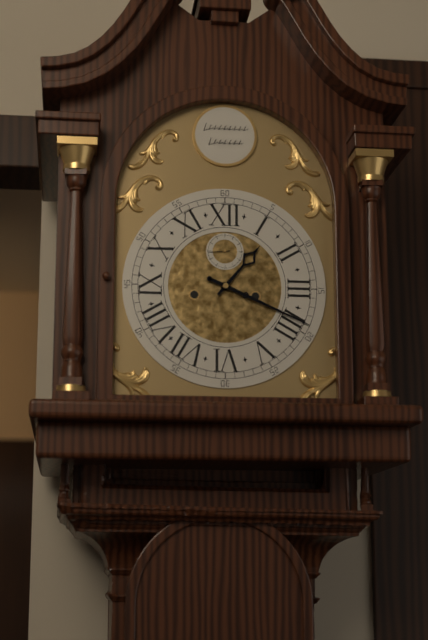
1.19
